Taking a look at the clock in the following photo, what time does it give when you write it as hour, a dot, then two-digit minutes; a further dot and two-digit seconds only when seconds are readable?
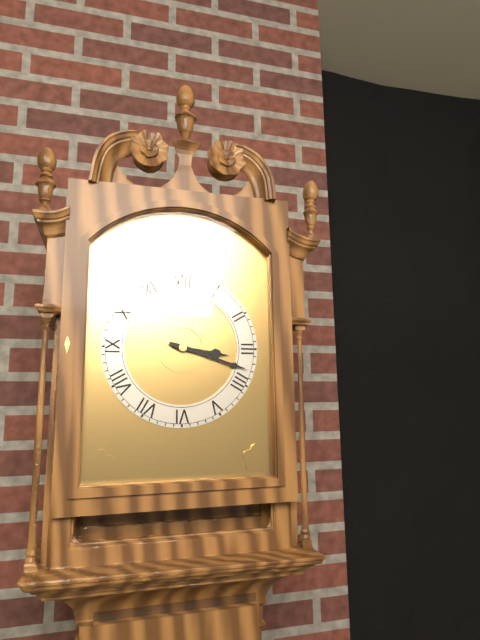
3.18
